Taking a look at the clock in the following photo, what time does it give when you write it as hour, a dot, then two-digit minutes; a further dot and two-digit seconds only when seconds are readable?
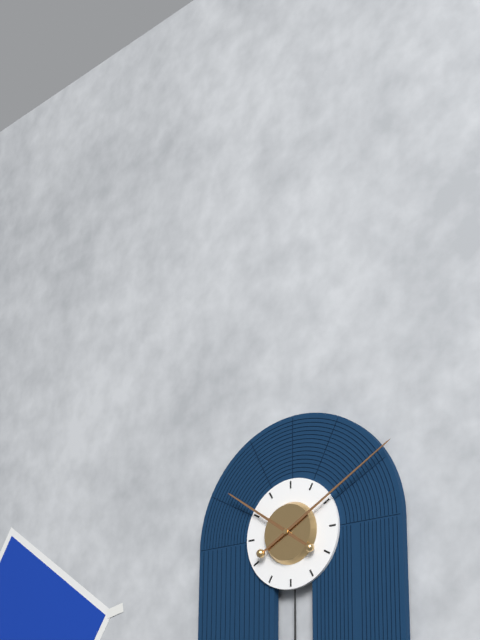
10.10
